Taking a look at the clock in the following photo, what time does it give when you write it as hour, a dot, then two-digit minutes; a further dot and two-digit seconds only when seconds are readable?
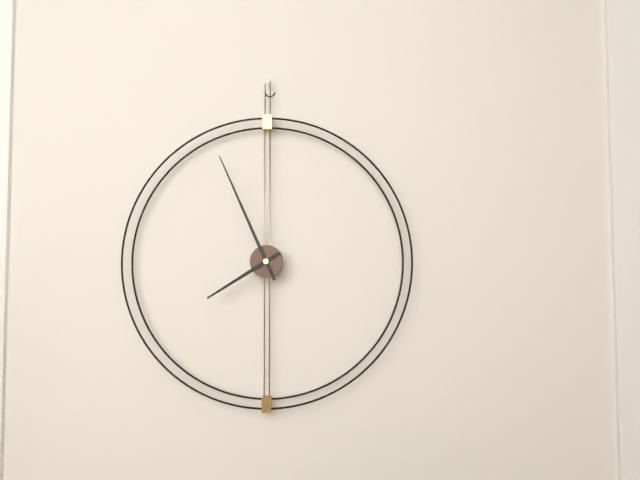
7.56
